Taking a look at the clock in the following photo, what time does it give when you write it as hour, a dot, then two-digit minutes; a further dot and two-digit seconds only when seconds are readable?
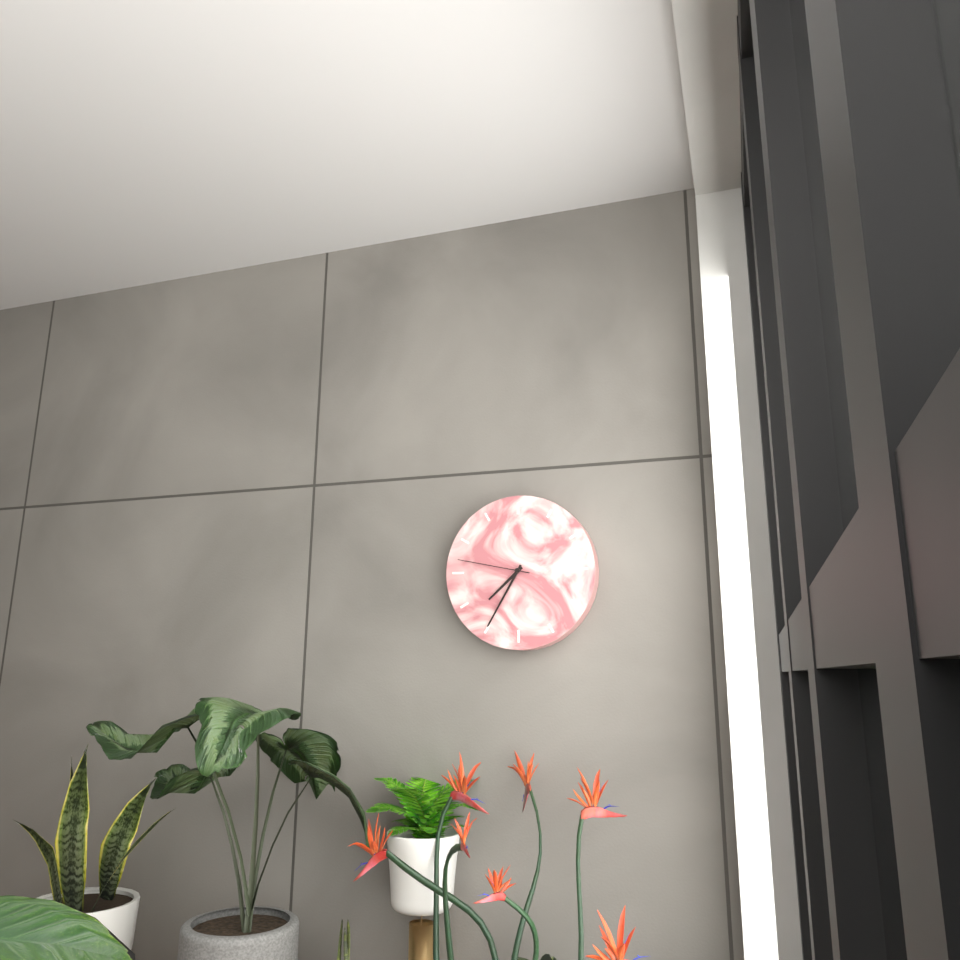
7.35.47
